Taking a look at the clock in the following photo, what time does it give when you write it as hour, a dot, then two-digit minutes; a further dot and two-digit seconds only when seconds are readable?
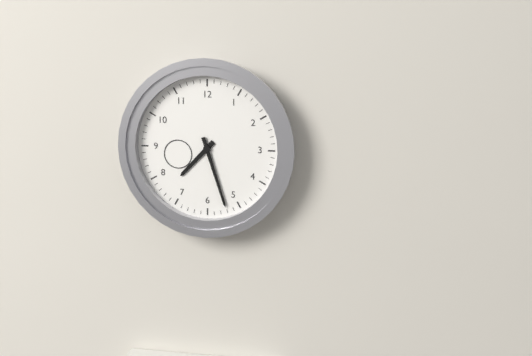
7.27
